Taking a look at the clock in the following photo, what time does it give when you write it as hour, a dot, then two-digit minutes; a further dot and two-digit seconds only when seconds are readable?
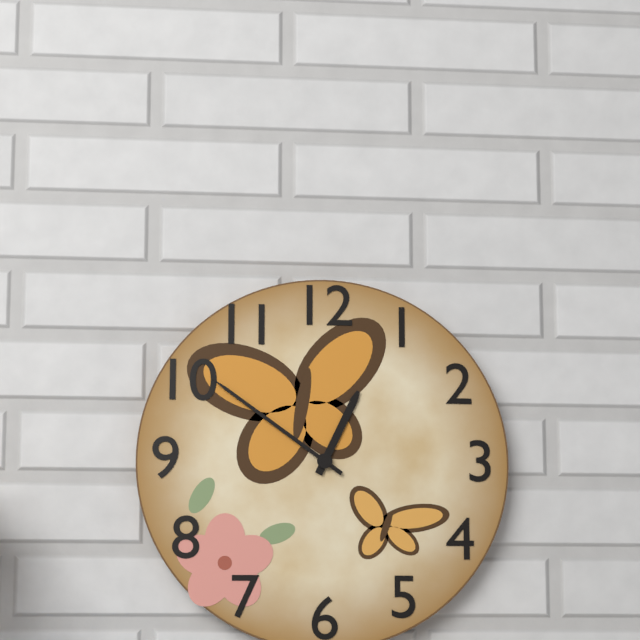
12.51
